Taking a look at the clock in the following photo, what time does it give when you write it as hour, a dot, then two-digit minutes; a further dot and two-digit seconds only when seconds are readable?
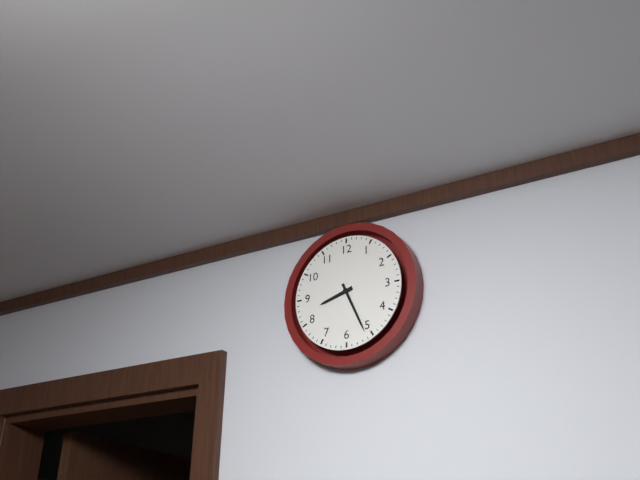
8.26
